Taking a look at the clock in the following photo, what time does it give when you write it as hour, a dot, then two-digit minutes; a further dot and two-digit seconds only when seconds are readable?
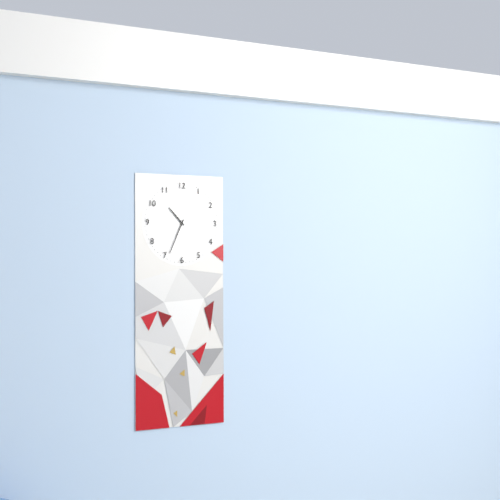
10.34
